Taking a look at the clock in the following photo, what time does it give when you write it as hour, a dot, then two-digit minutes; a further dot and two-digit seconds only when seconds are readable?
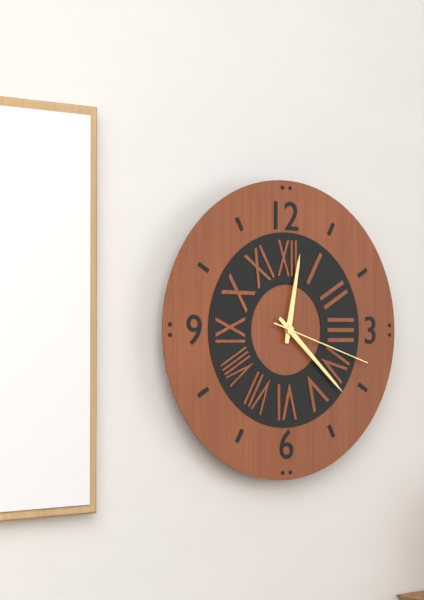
12.22.18
